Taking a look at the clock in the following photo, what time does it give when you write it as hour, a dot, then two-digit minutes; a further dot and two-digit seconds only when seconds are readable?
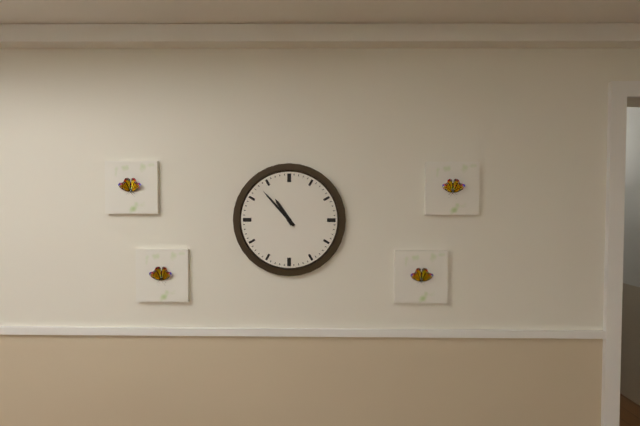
10.53
